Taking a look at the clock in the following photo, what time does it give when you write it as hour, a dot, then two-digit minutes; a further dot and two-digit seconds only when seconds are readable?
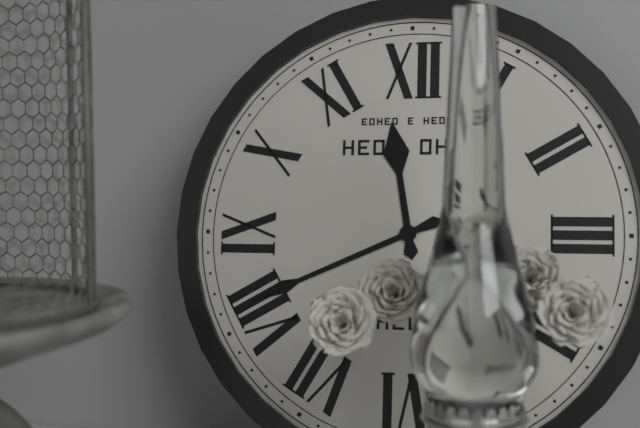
11.41
